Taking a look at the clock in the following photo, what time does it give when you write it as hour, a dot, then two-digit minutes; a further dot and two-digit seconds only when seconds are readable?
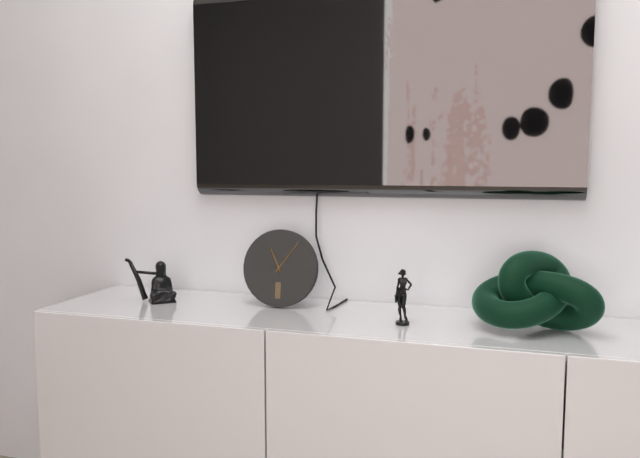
11.06
